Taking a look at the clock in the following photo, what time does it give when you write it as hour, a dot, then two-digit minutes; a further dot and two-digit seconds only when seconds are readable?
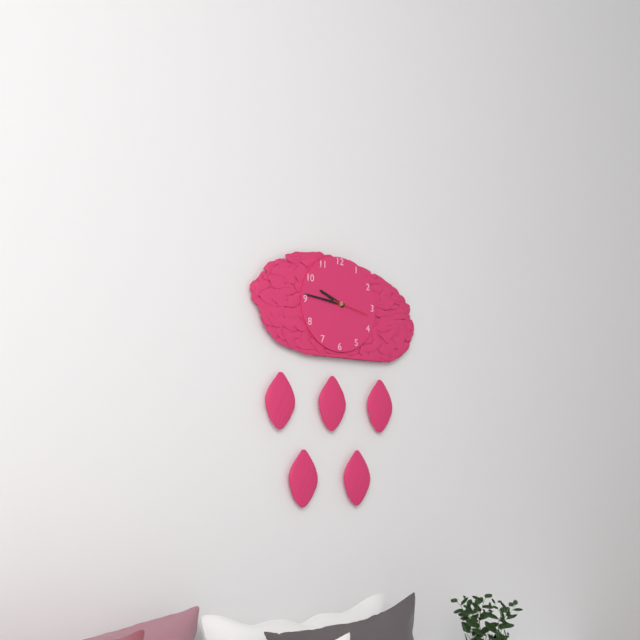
9.46
